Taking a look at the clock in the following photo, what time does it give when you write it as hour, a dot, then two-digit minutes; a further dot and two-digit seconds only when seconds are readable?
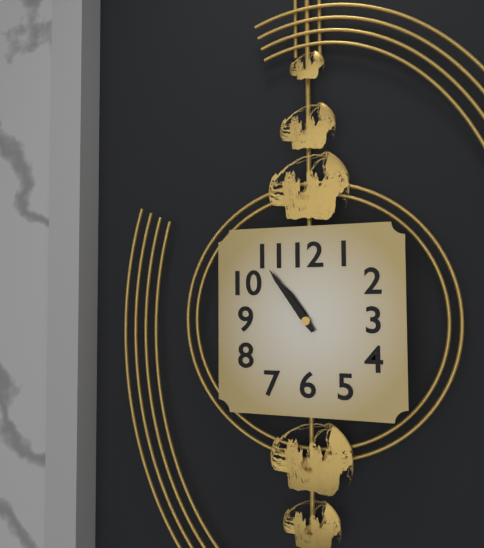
10.54
